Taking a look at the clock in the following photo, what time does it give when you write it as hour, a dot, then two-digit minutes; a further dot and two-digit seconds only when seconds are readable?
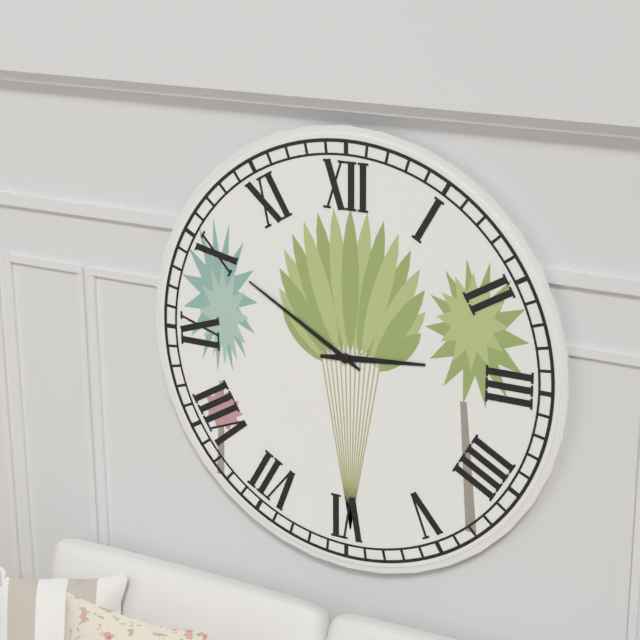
2.50
